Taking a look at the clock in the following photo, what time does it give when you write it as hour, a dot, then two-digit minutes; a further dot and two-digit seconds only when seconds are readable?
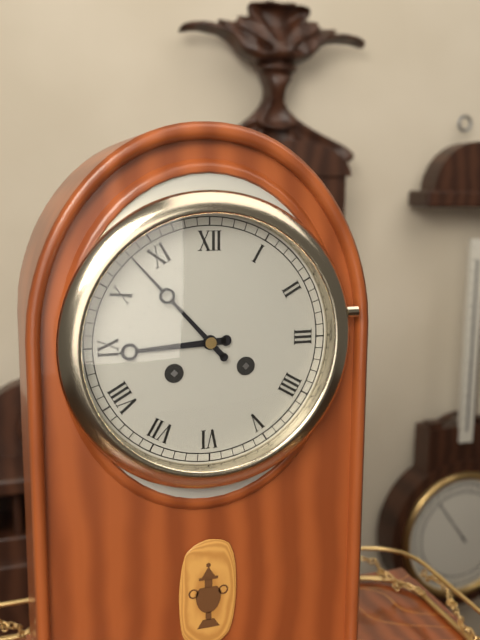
8.53
